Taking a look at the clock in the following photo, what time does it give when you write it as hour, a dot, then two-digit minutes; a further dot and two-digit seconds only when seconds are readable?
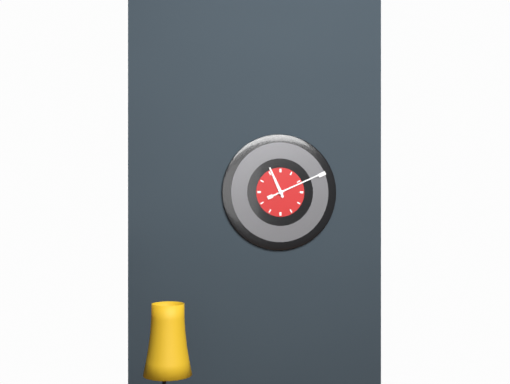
11.11
